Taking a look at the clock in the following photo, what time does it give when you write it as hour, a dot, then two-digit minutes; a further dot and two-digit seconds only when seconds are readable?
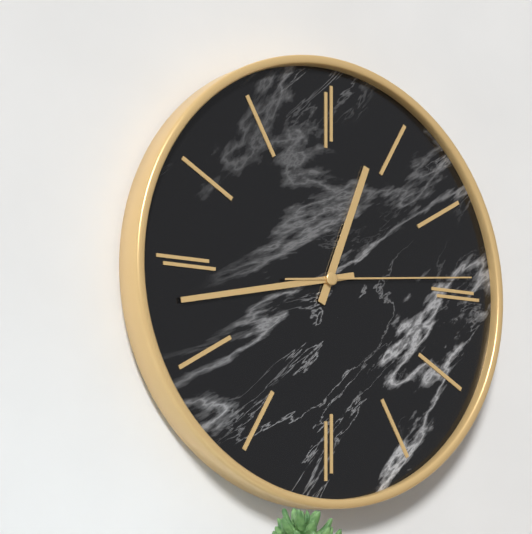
12.43.14
